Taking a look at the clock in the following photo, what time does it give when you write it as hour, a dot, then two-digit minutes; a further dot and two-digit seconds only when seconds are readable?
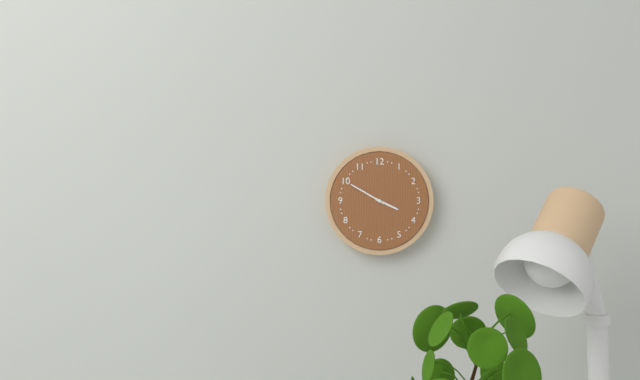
3.50
